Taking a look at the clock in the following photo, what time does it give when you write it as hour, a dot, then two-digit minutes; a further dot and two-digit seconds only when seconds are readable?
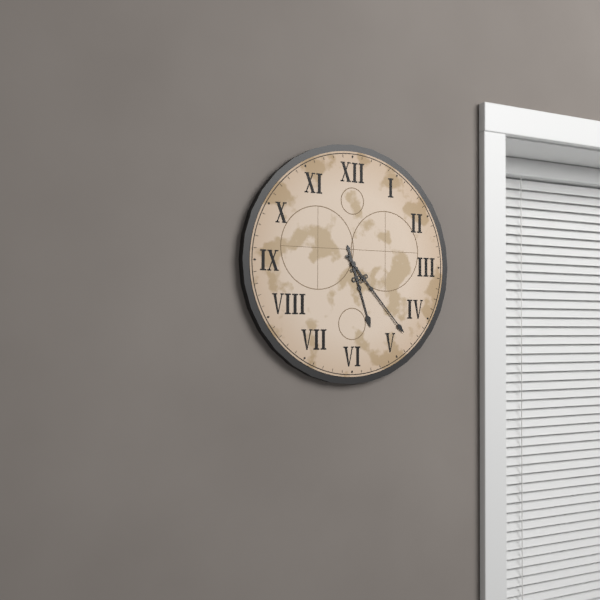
5.23
